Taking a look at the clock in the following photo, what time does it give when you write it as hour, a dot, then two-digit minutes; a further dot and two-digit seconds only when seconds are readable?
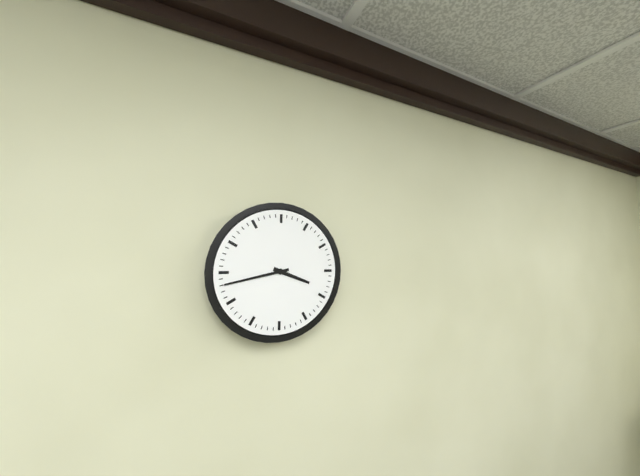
3.43
